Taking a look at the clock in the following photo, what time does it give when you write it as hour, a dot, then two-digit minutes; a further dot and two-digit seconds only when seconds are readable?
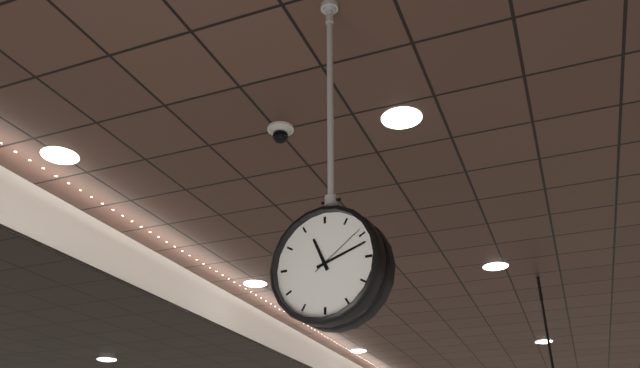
11.12.09
